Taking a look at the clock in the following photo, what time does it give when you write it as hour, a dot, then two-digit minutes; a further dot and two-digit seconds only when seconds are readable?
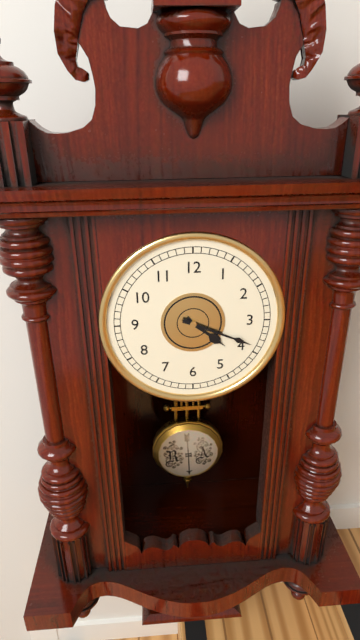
4.19
